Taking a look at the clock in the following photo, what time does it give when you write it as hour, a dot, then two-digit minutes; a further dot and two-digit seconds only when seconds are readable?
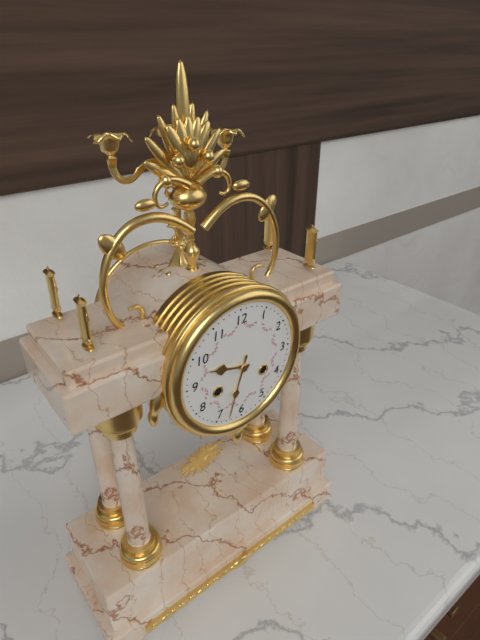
9.33
